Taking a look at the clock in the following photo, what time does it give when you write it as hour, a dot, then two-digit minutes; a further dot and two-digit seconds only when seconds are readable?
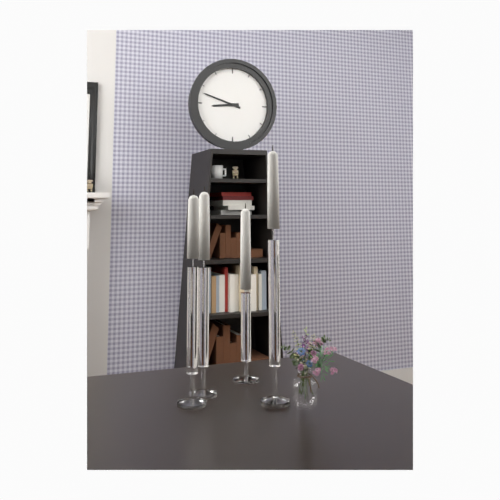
8.48
